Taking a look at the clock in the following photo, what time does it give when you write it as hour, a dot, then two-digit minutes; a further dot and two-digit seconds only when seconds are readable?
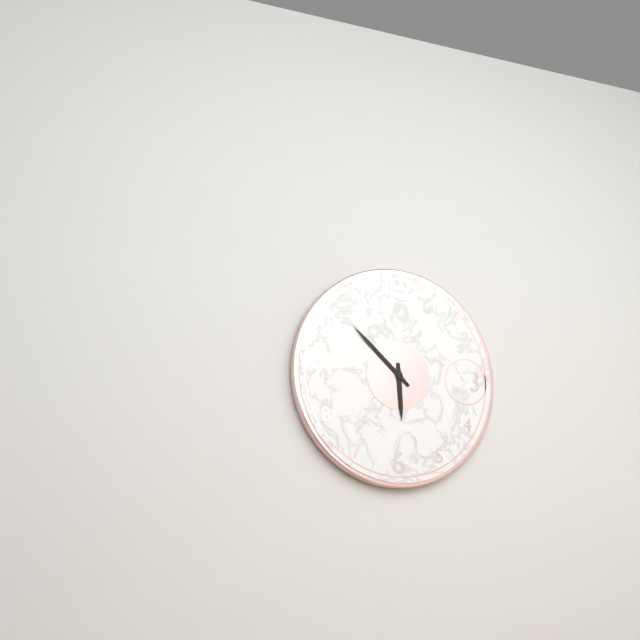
5.52
